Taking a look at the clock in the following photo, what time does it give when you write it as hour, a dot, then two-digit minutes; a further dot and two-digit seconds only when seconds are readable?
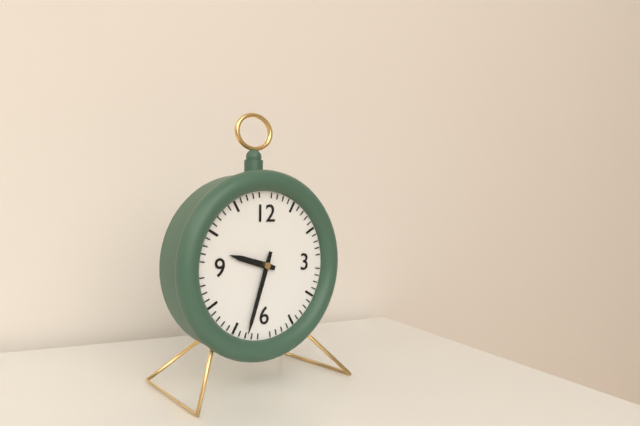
9.33
